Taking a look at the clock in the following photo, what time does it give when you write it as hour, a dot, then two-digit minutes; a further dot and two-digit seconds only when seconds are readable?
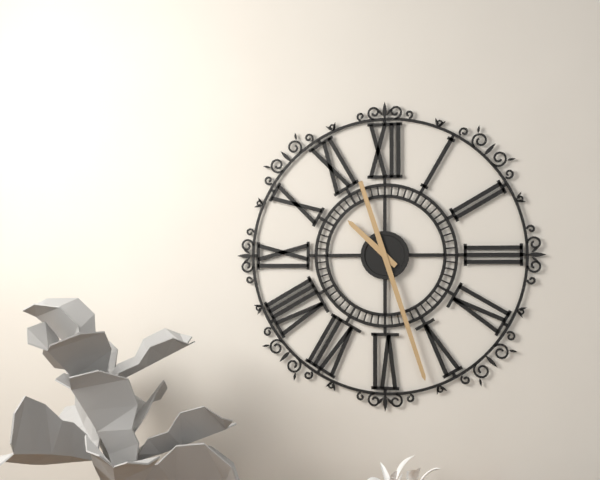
10.27
